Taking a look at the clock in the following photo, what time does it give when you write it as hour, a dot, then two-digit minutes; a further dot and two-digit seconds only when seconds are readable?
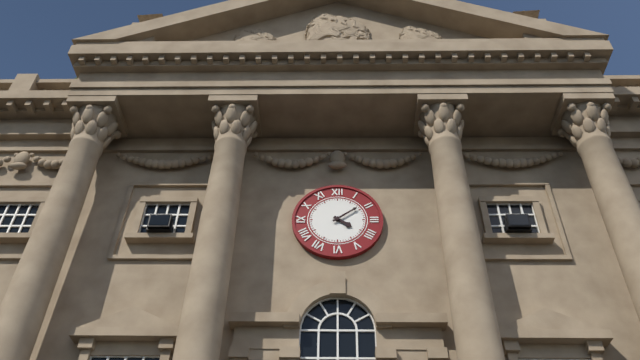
4.09
